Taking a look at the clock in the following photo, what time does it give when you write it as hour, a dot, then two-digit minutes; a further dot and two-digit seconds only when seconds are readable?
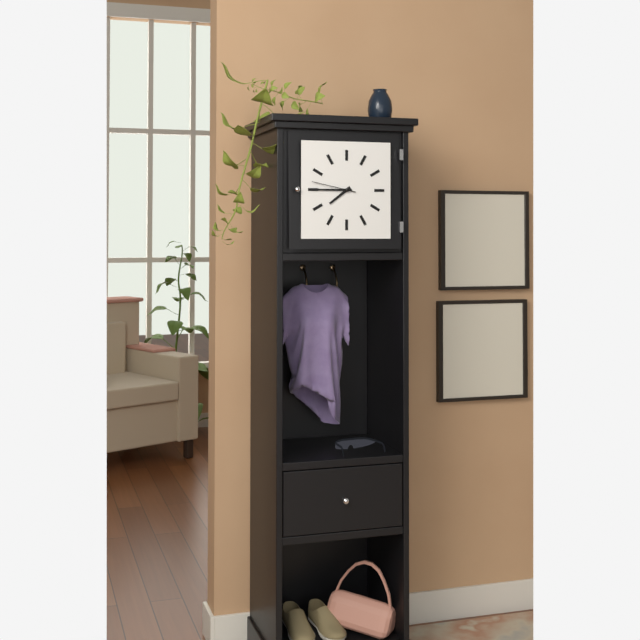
7.45
